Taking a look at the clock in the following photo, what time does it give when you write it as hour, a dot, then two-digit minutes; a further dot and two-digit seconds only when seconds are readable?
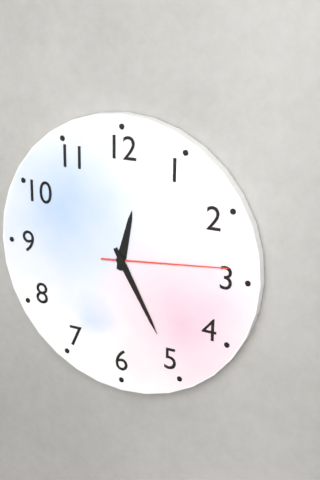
12.25.14
